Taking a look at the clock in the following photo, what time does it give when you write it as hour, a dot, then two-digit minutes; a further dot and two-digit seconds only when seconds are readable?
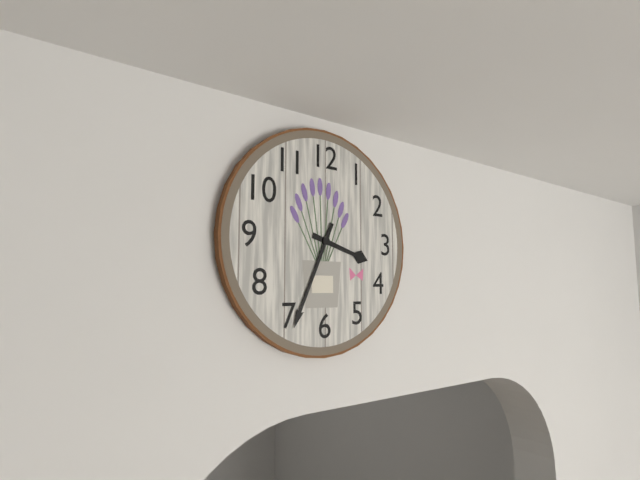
3.34
